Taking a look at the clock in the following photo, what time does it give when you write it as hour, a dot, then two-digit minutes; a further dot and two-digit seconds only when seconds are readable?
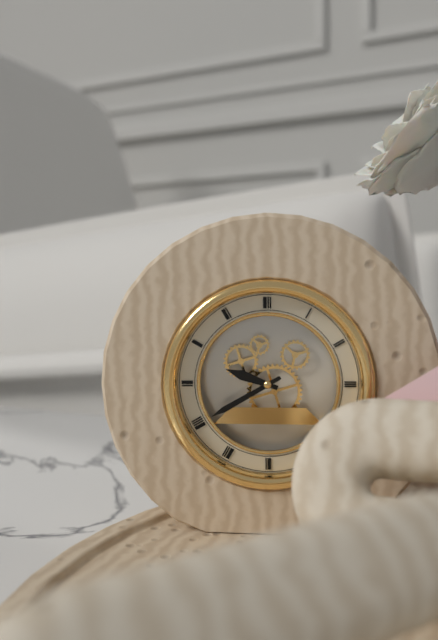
9.40
